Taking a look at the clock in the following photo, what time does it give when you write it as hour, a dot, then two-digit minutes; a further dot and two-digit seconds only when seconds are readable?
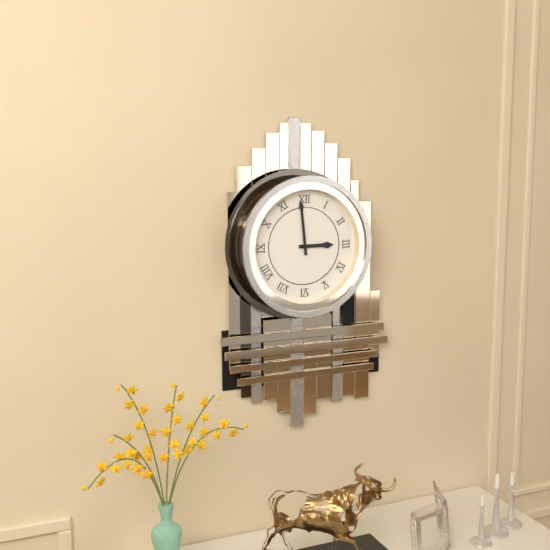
2.59
